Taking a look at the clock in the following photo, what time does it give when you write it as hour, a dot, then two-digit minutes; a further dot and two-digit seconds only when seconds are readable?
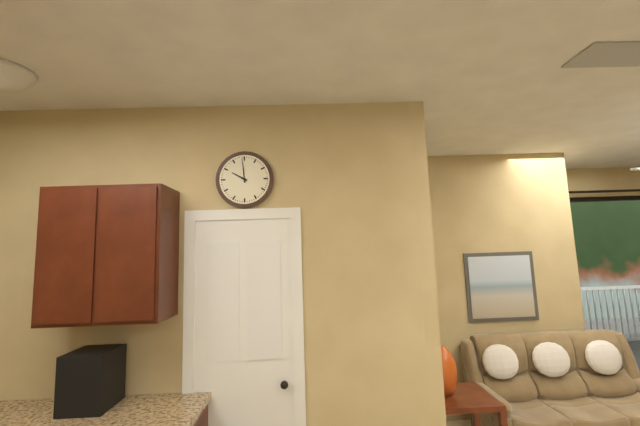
9.59
